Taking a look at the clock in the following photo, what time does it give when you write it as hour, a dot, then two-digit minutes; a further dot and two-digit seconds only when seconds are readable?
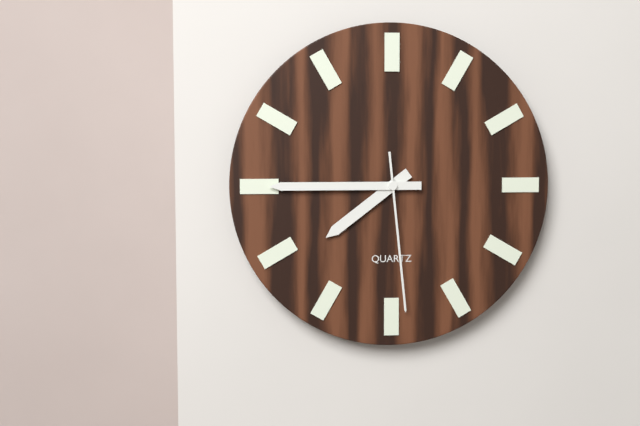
7.45.29
